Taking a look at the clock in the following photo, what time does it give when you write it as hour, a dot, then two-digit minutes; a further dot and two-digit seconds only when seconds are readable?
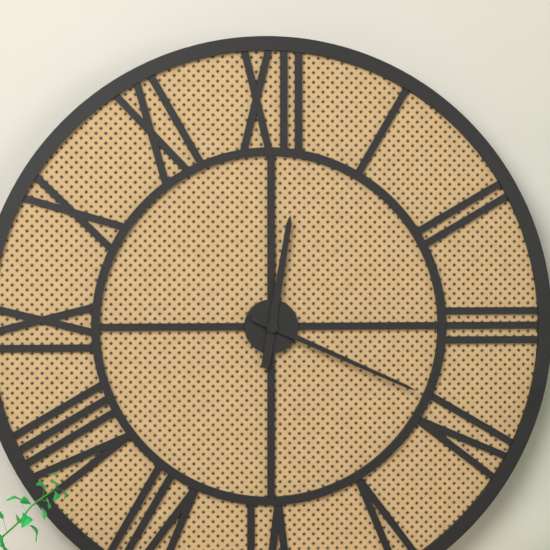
12.19
